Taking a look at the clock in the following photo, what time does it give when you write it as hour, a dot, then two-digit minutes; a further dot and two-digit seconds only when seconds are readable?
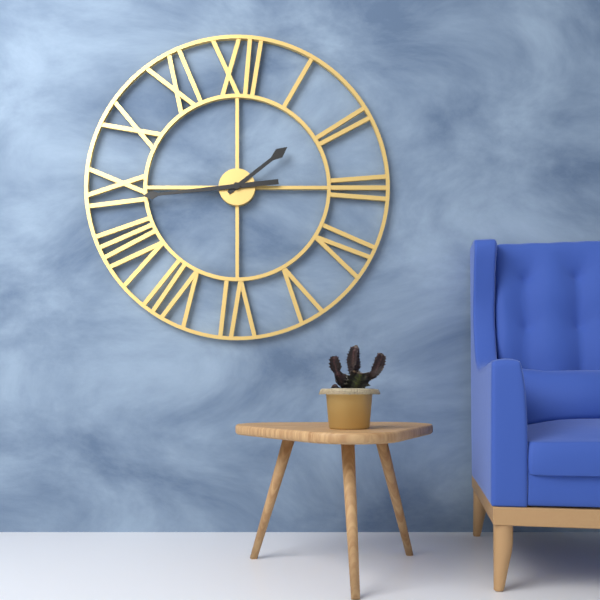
1.44
